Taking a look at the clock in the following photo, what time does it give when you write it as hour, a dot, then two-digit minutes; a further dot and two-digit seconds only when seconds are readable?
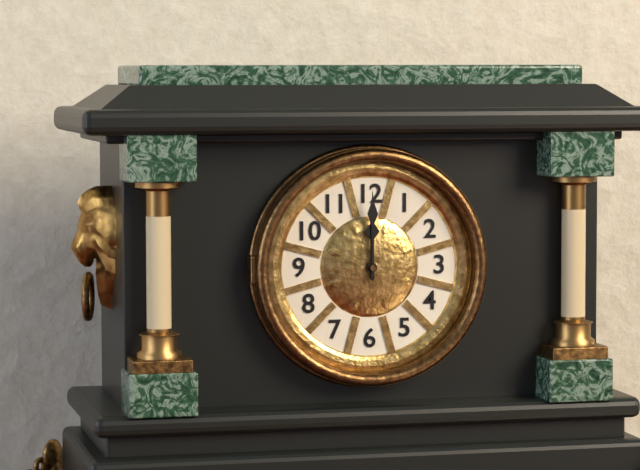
12.00
